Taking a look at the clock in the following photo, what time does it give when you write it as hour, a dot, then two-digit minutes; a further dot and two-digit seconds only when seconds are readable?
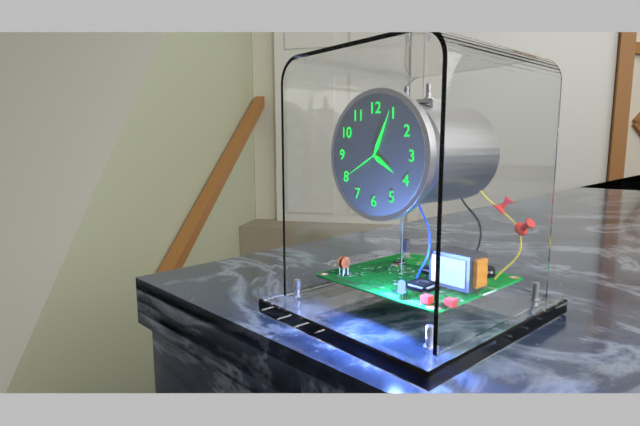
4.04
